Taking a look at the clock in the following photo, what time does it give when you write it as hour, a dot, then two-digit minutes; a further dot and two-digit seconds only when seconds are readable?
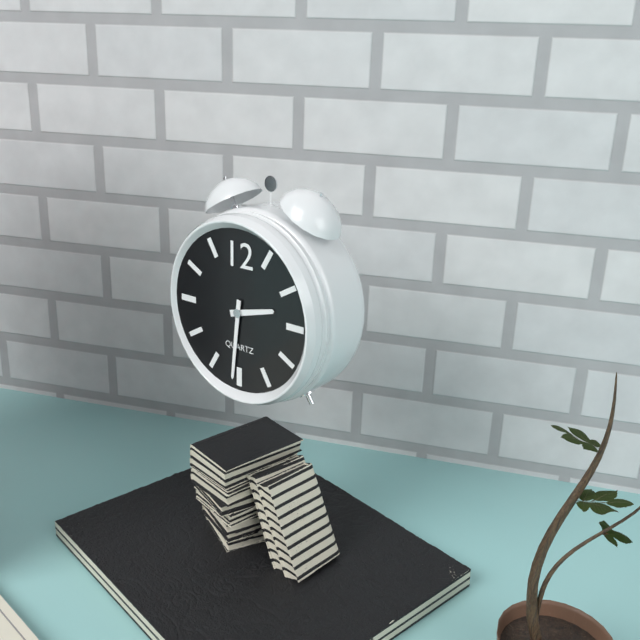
2.31
